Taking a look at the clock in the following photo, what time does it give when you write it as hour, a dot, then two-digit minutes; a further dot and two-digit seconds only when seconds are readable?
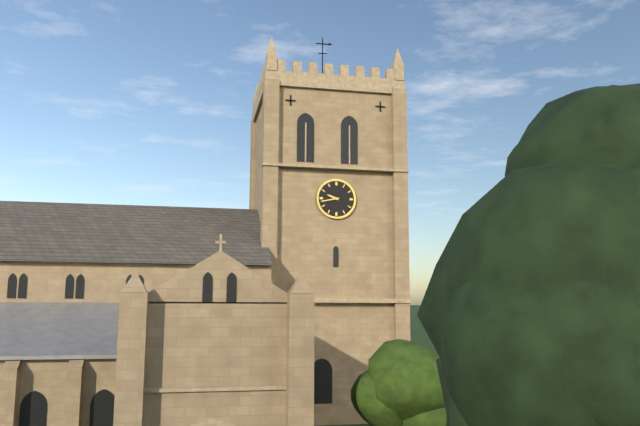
9.43
